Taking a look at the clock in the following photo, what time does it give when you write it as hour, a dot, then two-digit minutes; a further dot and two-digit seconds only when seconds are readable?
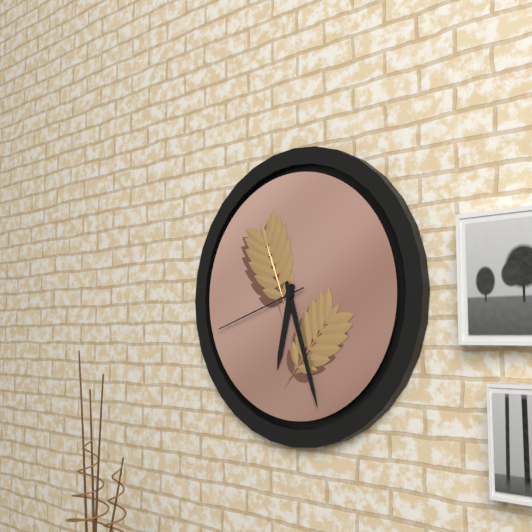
6.27.42
